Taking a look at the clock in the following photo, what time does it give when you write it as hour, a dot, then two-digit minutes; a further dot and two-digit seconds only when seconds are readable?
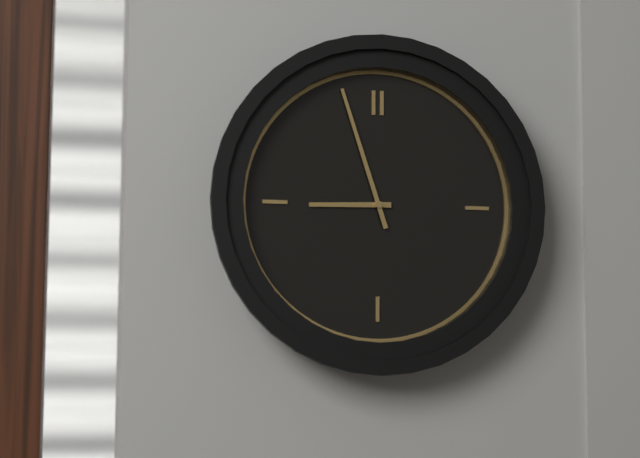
8.57
